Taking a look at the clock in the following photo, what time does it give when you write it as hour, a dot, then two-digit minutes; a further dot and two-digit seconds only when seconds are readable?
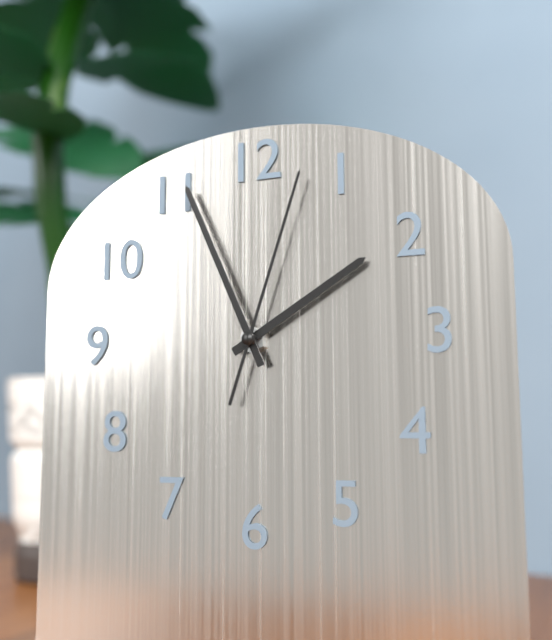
1.56.03
